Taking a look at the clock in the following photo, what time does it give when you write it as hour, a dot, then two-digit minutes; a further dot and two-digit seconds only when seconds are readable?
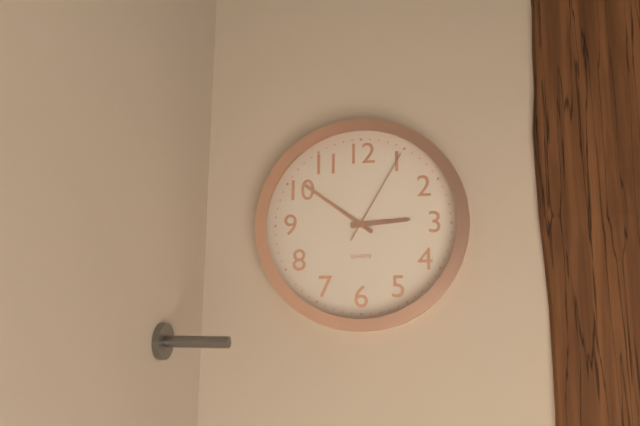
2.51.05
